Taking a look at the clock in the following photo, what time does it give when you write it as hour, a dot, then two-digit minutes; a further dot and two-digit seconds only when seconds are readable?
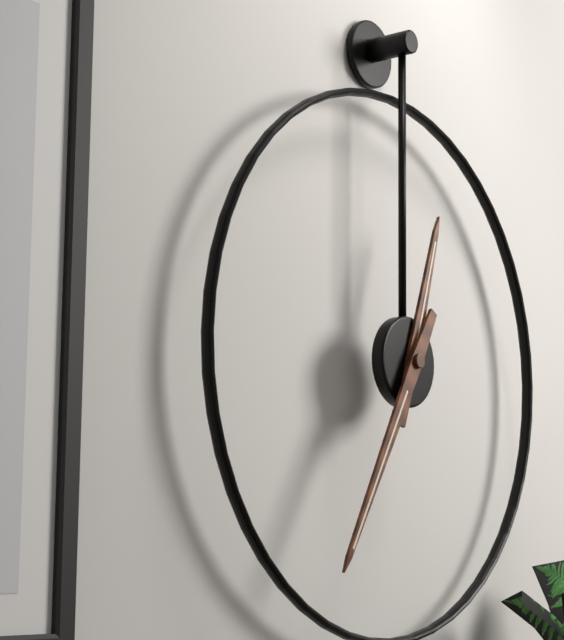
12.35
